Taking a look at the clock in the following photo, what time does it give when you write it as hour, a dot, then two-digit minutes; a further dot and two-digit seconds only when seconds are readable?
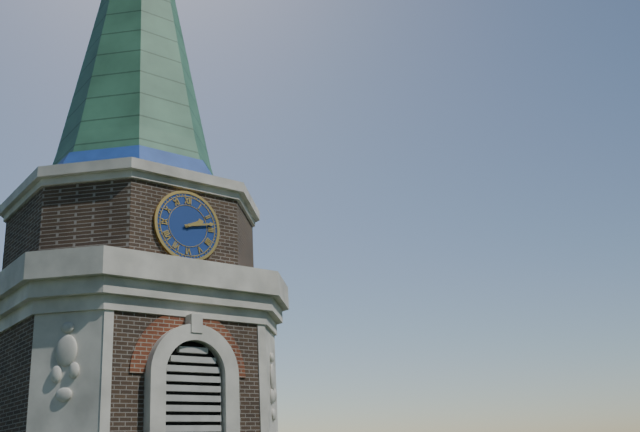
2.13
